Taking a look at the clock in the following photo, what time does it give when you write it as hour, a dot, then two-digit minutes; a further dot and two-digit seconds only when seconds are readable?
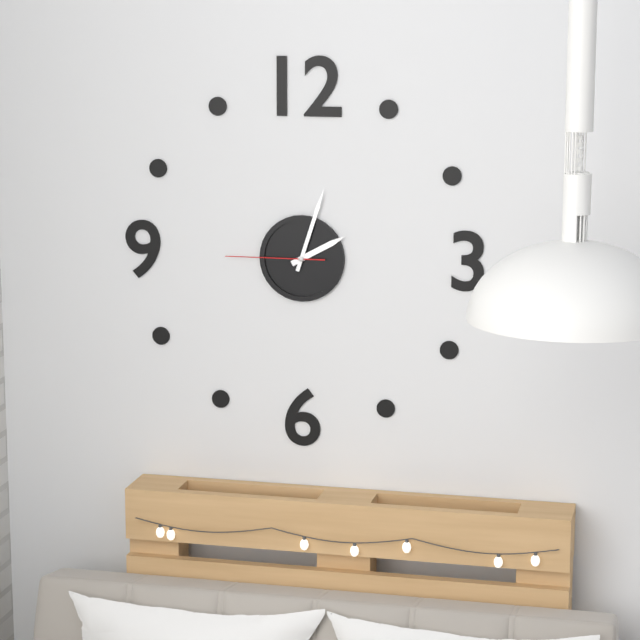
2.03.45
